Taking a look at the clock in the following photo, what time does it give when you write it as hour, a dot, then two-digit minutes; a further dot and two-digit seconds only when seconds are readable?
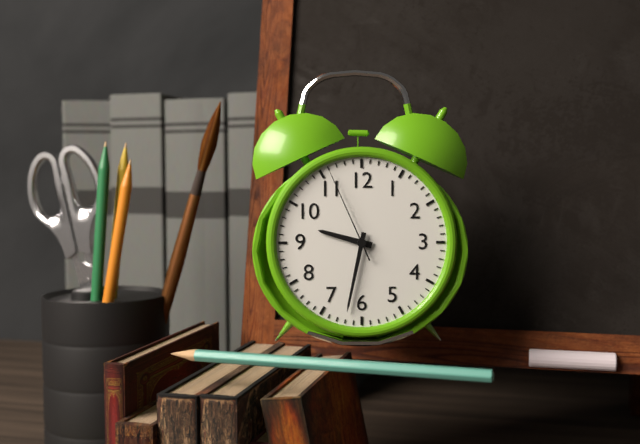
9.32.56
